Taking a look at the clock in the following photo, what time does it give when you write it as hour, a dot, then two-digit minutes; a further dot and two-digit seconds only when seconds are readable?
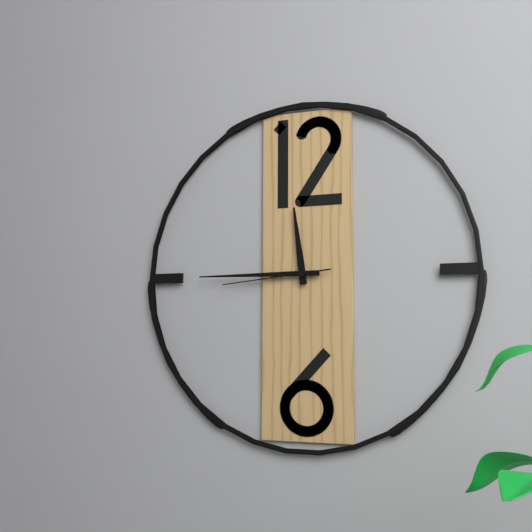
11.45.44
